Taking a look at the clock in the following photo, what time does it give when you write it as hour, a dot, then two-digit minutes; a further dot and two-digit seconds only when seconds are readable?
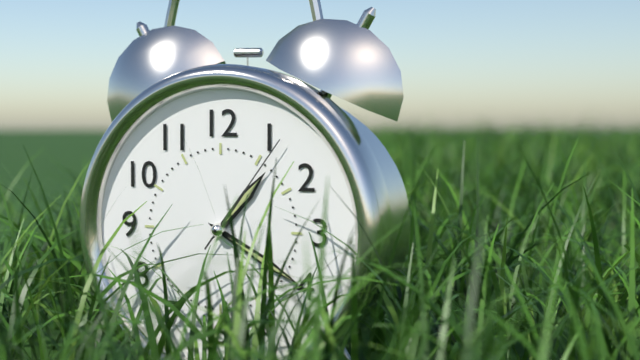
1.20.06
